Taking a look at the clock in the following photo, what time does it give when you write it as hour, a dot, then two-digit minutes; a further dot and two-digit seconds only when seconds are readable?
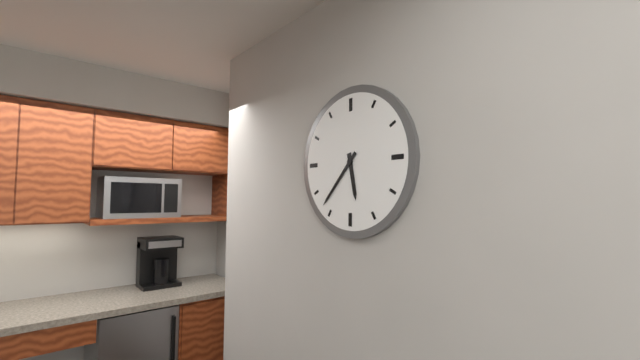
5.37
